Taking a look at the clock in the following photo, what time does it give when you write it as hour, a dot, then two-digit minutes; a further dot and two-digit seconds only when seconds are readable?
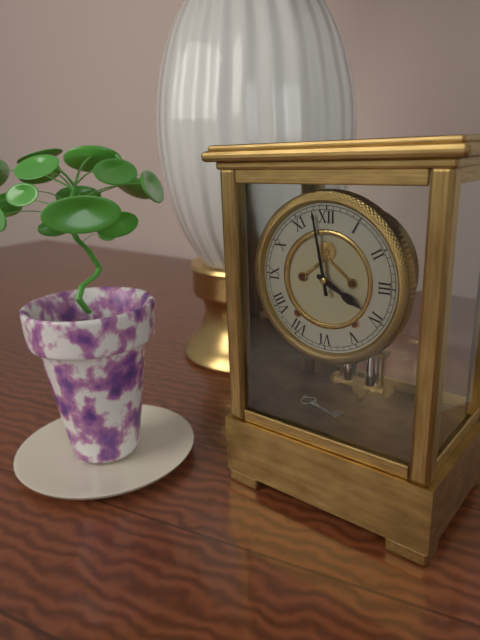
3.58
